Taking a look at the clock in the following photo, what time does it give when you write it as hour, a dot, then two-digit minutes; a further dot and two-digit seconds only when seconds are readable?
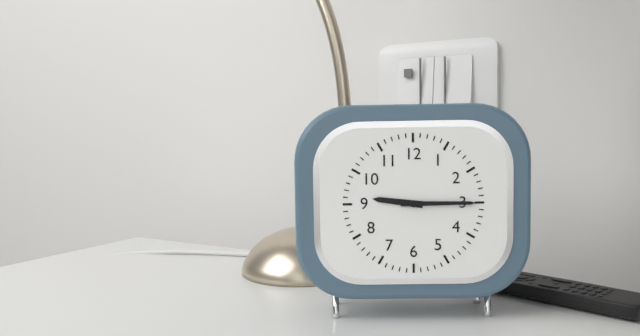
9.15
